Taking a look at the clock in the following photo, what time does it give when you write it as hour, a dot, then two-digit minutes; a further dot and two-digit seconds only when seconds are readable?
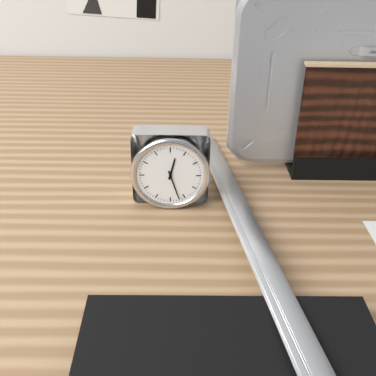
12.27
